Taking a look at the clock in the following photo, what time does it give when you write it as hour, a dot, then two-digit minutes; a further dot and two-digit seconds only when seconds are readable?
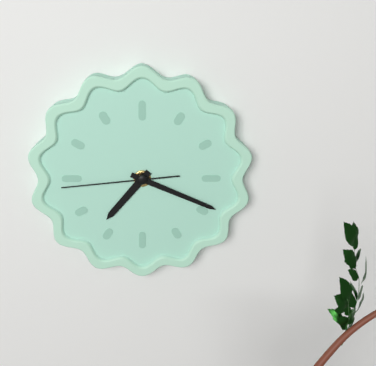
7.19.44
